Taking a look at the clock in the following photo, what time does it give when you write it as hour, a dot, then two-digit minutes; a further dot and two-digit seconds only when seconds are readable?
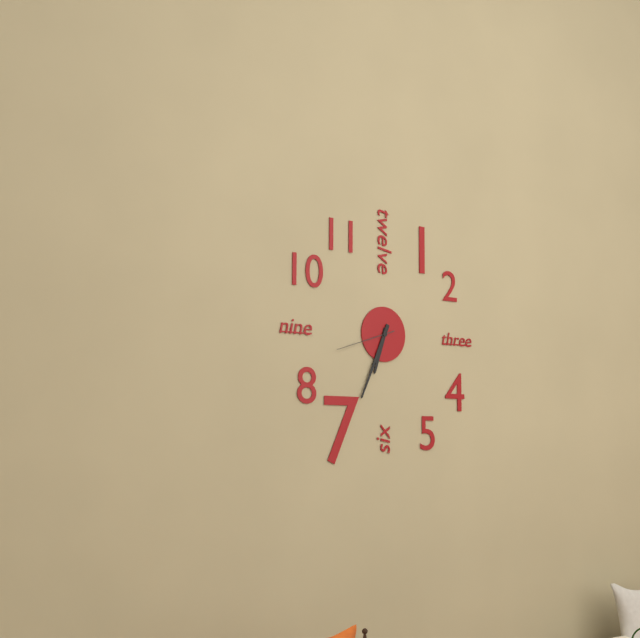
6.34.42
